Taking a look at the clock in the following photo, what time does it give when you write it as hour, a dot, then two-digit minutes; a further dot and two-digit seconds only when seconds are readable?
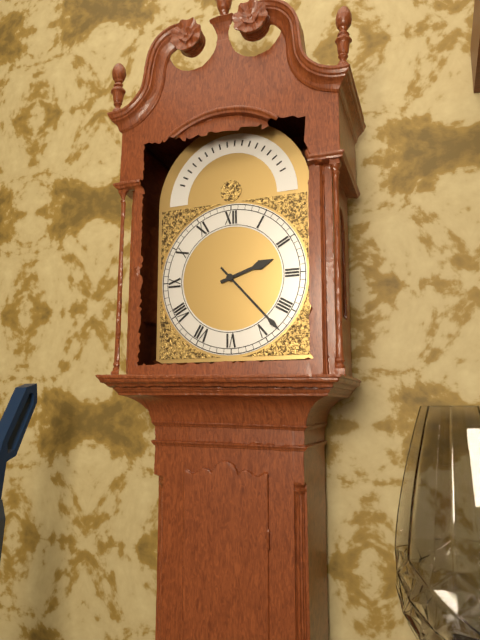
2.23
